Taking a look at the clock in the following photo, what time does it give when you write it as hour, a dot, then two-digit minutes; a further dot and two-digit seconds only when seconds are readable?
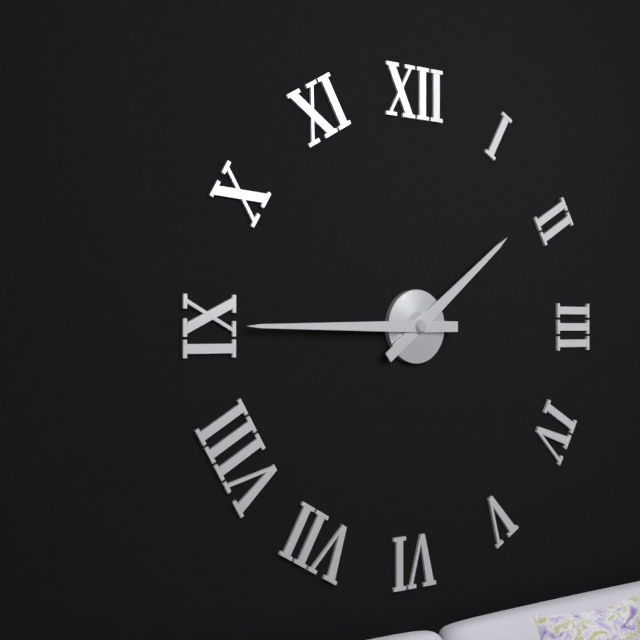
1.45
